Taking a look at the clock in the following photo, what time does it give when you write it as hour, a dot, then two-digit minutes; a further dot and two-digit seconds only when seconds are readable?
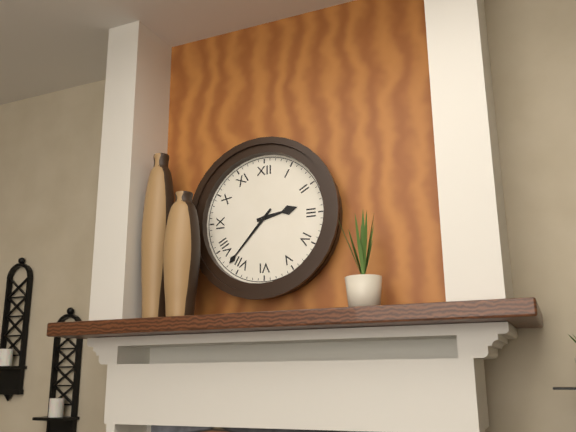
2.37
